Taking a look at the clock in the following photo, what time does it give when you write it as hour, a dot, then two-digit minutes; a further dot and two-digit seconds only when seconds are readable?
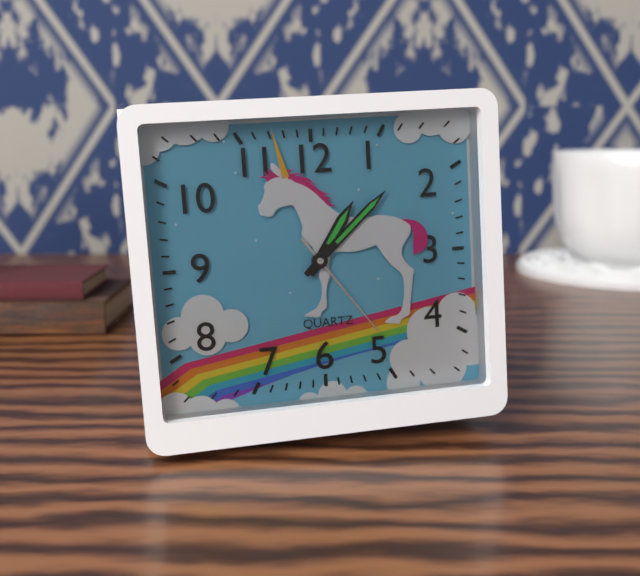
1.08.24
